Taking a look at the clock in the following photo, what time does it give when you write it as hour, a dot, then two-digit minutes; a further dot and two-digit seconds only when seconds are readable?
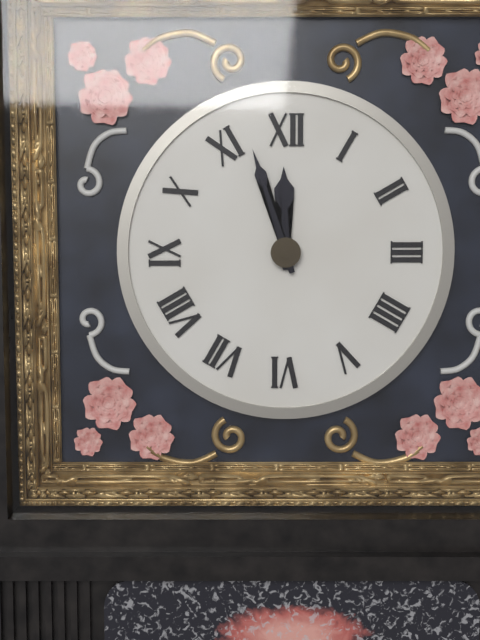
11.57
